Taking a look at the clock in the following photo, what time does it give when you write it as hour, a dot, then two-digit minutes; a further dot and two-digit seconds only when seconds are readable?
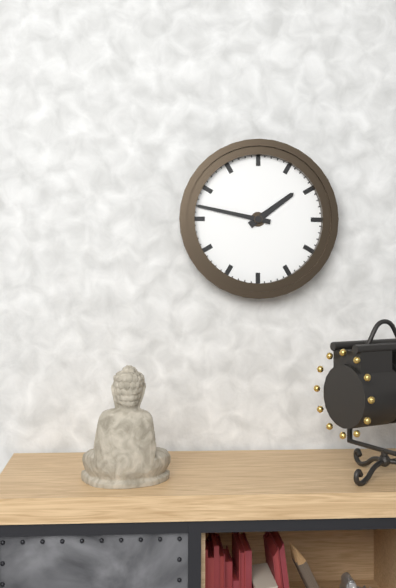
1.47
